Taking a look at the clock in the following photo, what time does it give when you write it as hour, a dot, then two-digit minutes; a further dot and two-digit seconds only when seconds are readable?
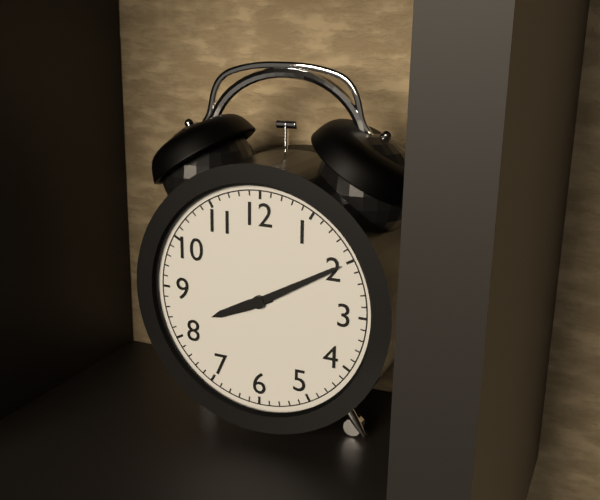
8.10
